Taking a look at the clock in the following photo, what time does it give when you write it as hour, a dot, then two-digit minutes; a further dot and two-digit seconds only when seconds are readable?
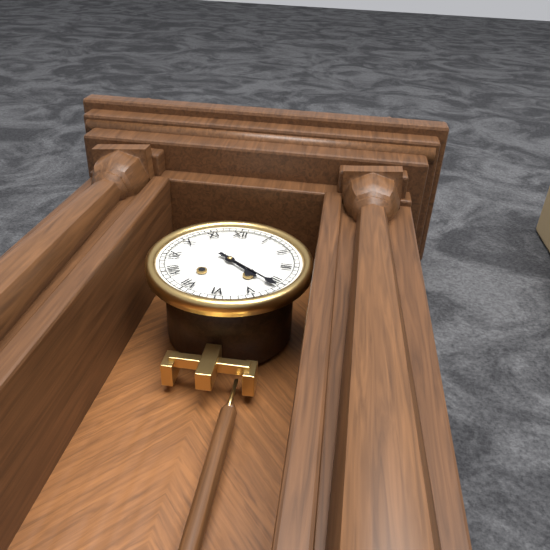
4.21
